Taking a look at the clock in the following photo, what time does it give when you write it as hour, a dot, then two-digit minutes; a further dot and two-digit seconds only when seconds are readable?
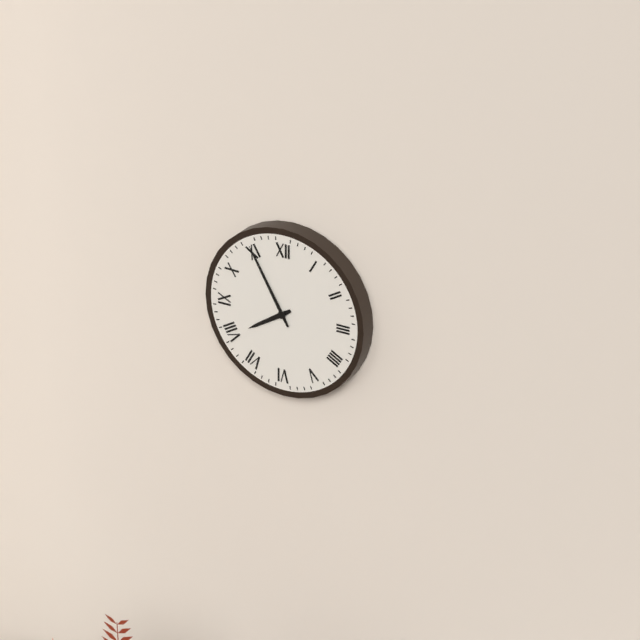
7.55
